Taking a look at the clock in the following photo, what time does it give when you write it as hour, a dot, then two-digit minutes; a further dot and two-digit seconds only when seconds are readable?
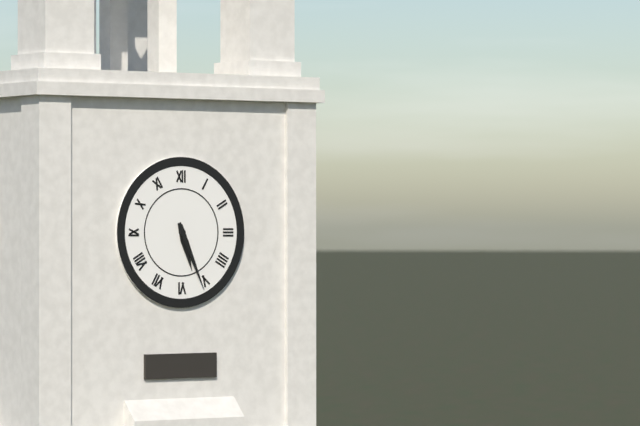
5.26
